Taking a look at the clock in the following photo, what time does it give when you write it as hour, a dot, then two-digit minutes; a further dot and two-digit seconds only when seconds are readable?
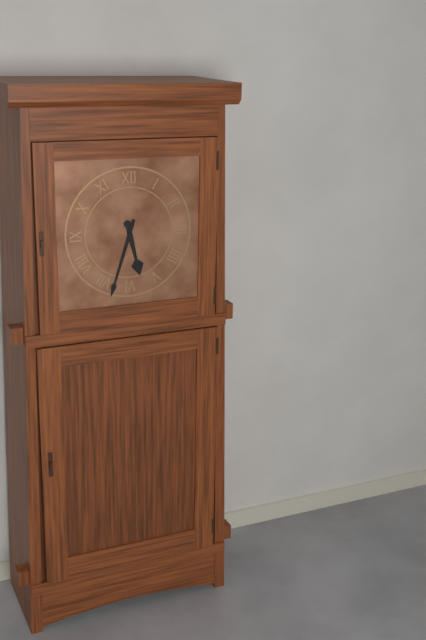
5.33
